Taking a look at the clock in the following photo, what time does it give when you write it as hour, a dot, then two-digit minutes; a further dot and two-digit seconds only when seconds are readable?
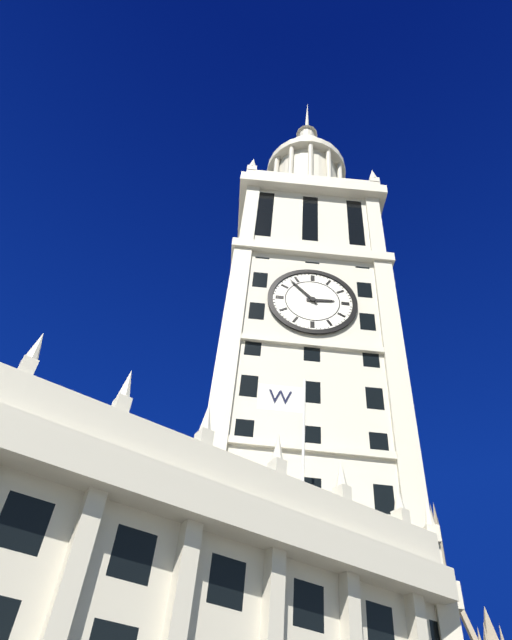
2.53
